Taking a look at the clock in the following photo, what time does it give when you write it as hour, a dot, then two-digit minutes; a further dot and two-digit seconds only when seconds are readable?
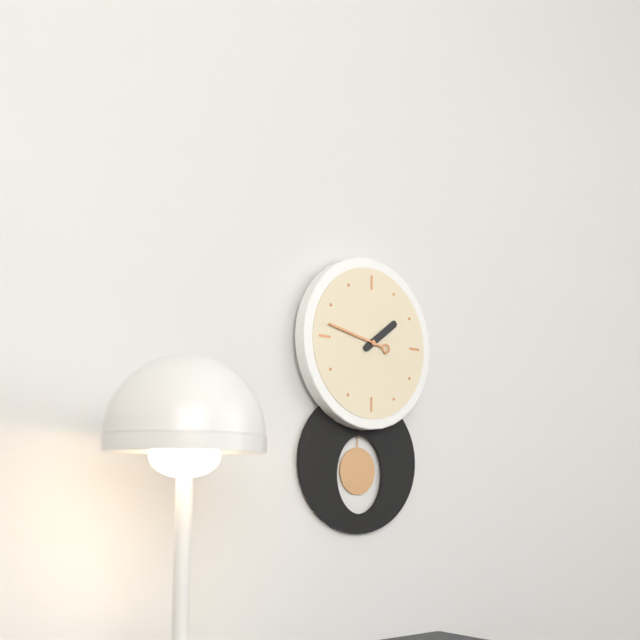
1.47
